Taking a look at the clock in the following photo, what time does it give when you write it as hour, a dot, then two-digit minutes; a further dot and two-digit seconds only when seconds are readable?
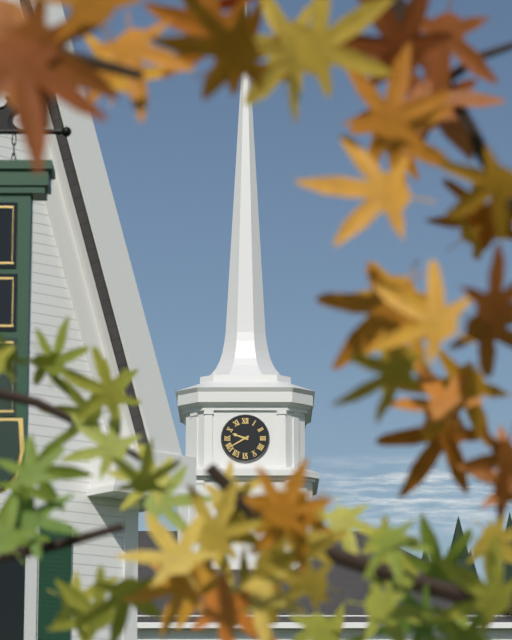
9.40
